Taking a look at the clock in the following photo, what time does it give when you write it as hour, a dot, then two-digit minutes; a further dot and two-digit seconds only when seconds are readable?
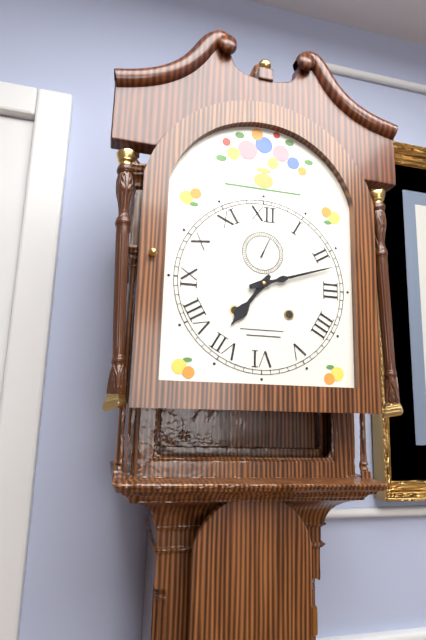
7.12
